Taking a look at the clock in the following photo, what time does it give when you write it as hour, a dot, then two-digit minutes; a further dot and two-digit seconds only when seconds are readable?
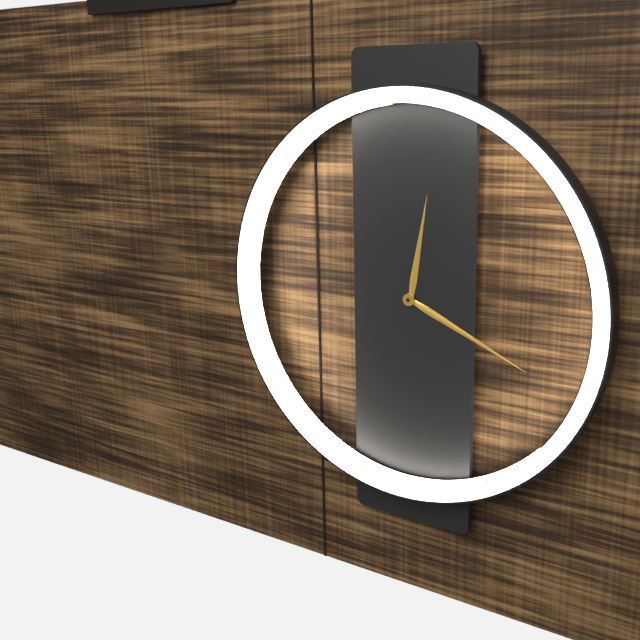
12.19
